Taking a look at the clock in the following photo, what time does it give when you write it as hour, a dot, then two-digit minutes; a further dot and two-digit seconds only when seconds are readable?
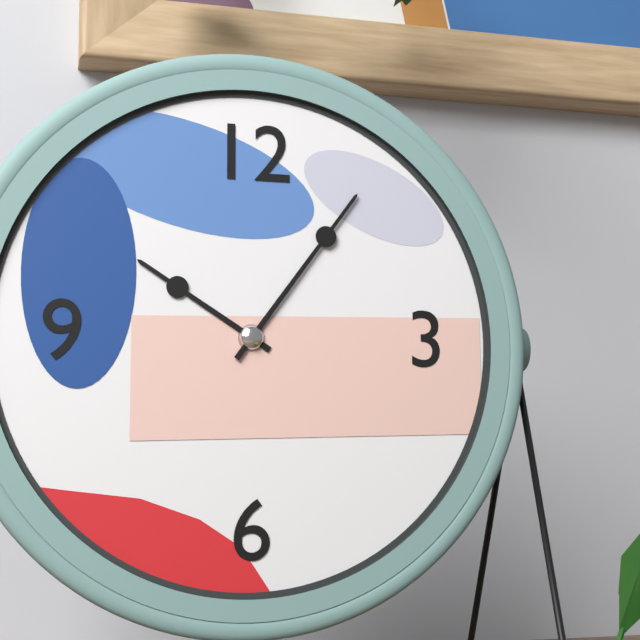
10.06
